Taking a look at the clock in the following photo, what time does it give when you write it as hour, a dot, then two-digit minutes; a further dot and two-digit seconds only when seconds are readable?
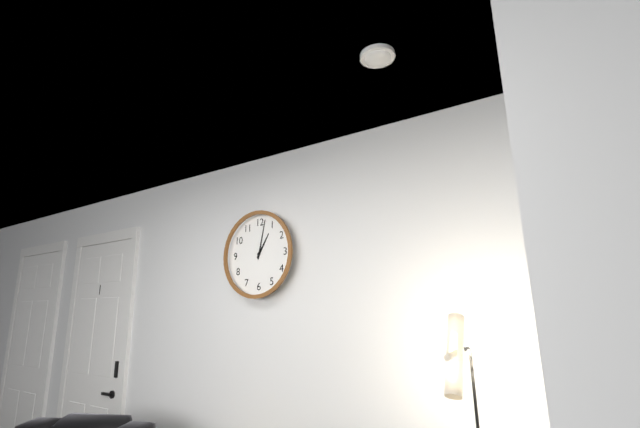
1.02
